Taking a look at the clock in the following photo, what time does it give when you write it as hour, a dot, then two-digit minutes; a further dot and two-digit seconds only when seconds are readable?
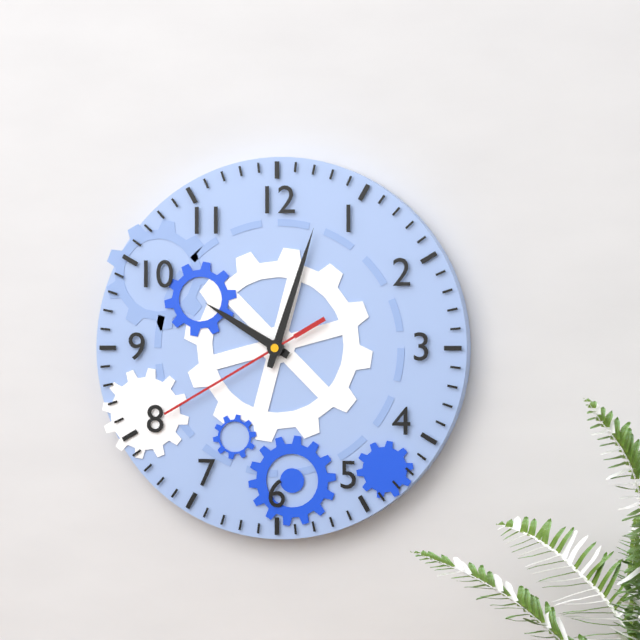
10.03.40
